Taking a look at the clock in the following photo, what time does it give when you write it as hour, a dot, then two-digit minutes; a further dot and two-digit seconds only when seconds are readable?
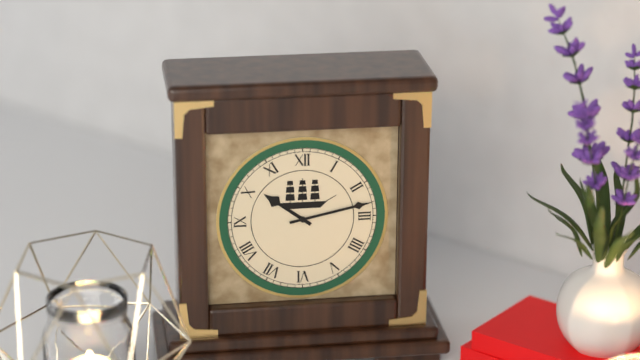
10.13
